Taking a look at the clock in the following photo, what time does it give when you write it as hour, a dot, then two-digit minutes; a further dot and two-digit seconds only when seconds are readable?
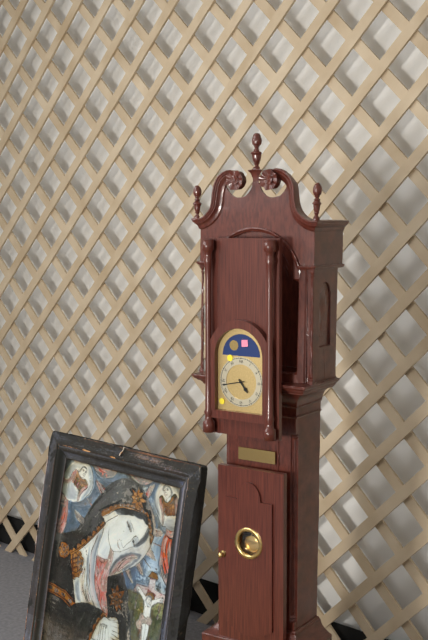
4.43
